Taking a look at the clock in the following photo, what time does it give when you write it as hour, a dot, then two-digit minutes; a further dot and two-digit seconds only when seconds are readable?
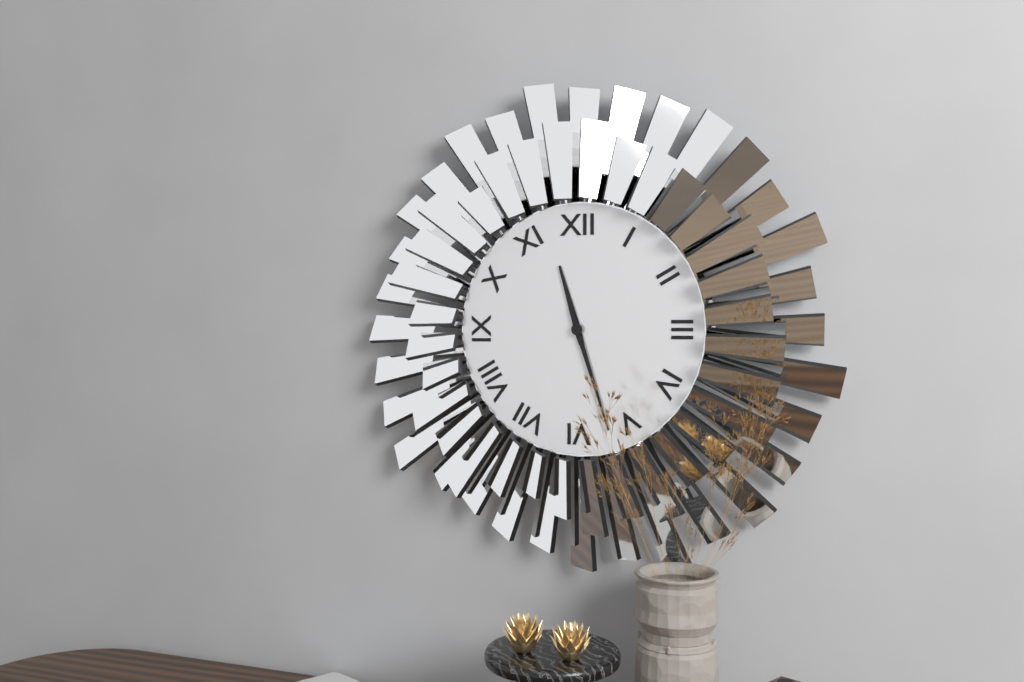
11.27
